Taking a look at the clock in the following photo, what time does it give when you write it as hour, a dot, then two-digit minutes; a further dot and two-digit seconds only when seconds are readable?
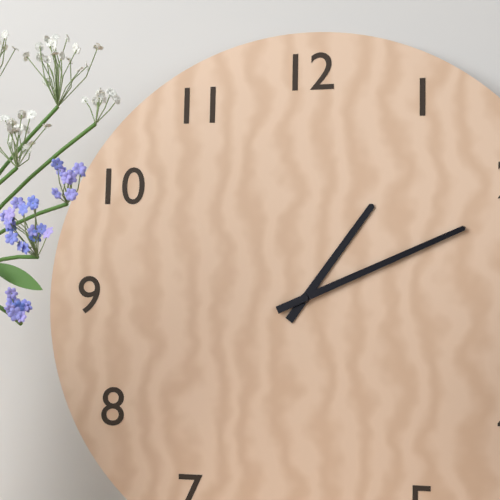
1.11
